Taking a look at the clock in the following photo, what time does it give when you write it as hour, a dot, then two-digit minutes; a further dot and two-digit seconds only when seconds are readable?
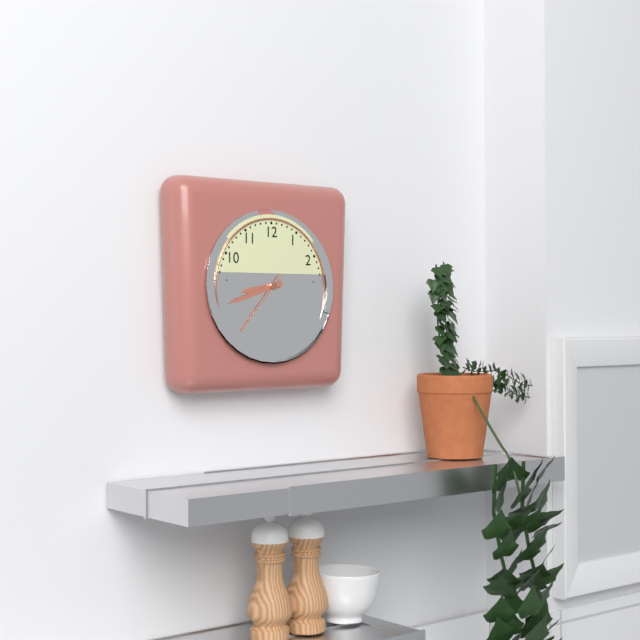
8.42.37
